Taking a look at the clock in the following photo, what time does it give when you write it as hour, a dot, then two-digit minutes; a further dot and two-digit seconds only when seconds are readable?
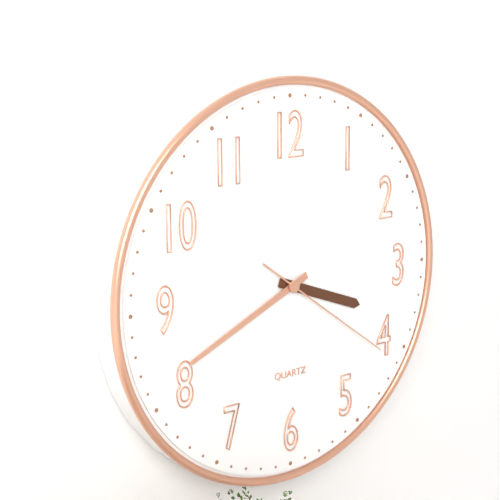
3.41.21
